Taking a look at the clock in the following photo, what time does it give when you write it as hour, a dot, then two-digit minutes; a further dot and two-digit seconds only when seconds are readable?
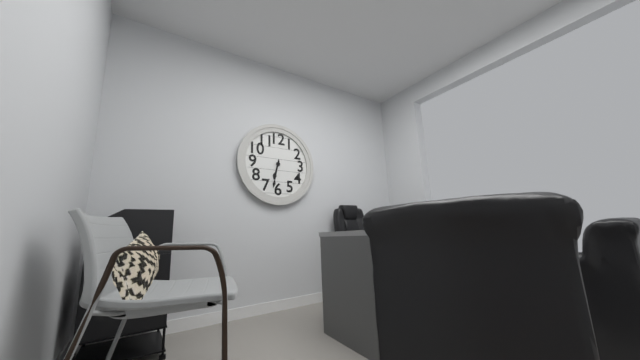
6.32
